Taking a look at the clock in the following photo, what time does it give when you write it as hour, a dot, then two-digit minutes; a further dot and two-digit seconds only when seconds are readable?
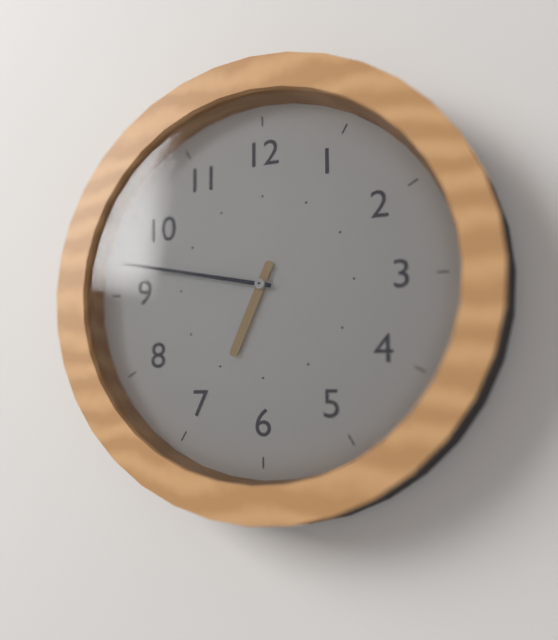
6.47
